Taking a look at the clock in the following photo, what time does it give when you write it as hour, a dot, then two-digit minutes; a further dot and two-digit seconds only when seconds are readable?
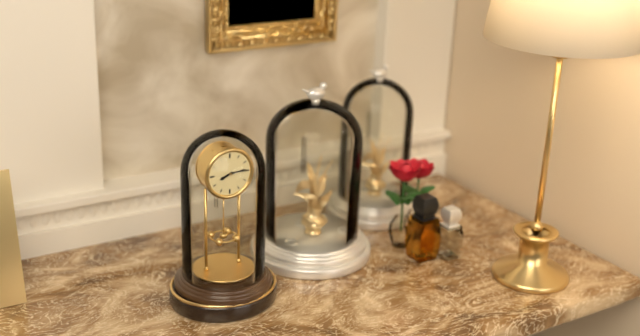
8.14
